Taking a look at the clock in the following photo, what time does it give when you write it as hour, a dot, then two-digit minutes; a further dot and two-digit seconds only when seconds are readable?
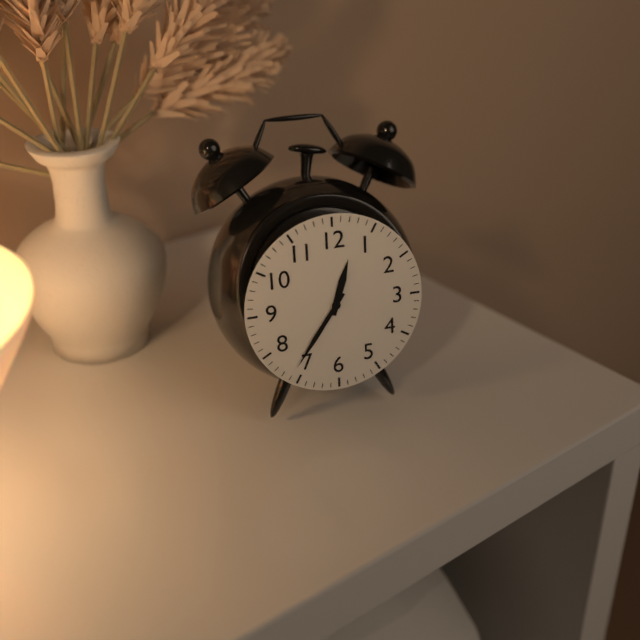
12.36
